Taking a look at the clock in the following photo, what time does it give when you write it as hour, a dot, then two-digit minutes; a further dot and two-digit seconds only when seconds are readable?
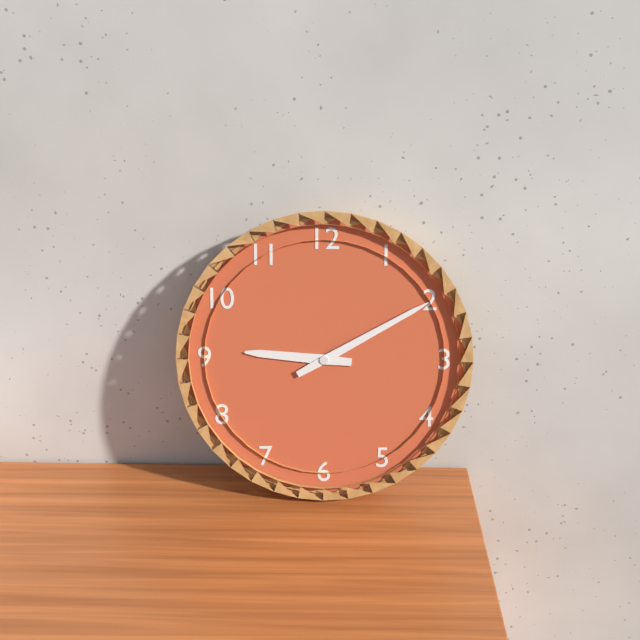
9.10
